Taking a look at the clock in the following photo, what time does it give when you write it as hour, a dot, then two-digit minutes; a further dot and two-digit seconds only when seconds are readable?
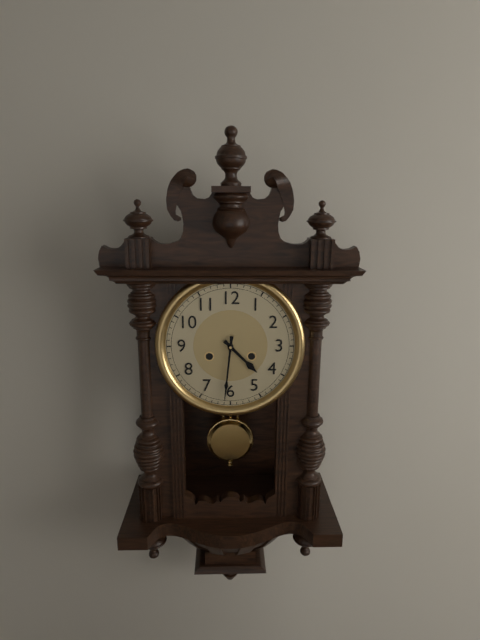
4.31
